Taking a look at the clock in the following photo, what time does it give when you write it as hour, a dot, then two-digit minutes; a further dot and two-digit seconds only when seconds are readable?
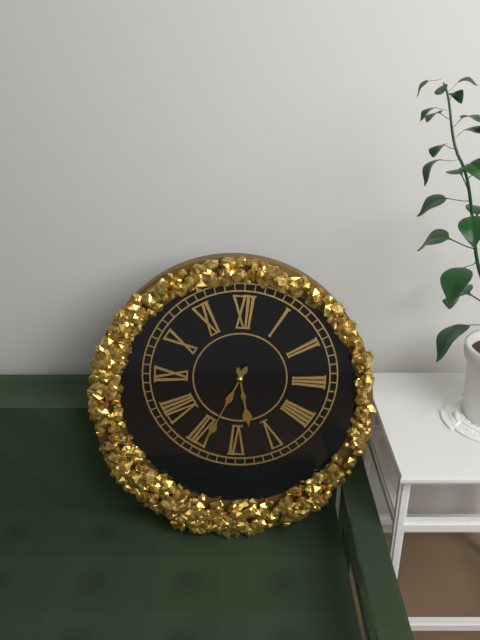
5.34
